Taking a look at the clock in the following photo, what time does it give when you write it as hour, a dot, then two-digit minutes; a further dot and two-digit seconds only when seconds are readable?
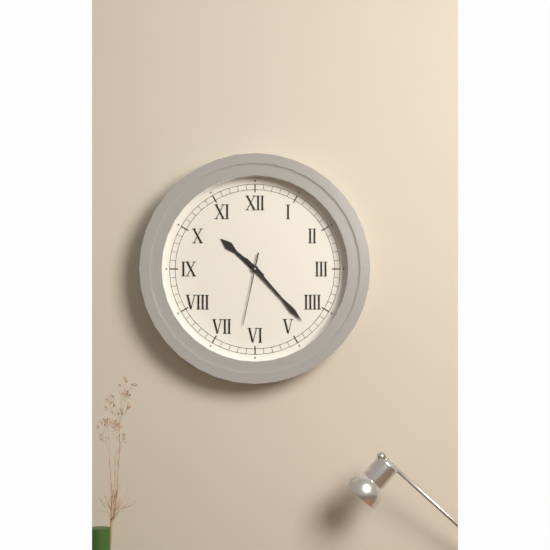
10.23.32
